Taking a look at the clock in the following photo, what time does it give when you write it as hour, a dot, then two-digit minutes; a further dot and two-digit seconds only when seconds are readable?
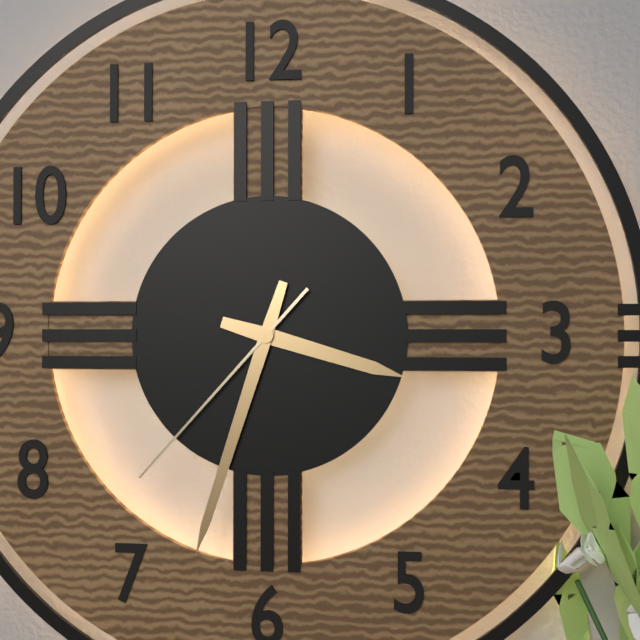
3.33.37
